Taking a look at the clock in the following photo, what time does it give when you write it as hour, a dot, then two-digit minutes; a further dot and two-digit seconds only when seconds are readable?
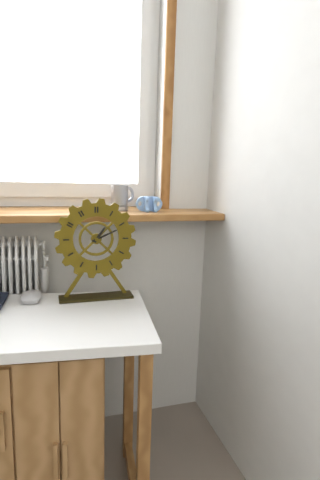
1.11
